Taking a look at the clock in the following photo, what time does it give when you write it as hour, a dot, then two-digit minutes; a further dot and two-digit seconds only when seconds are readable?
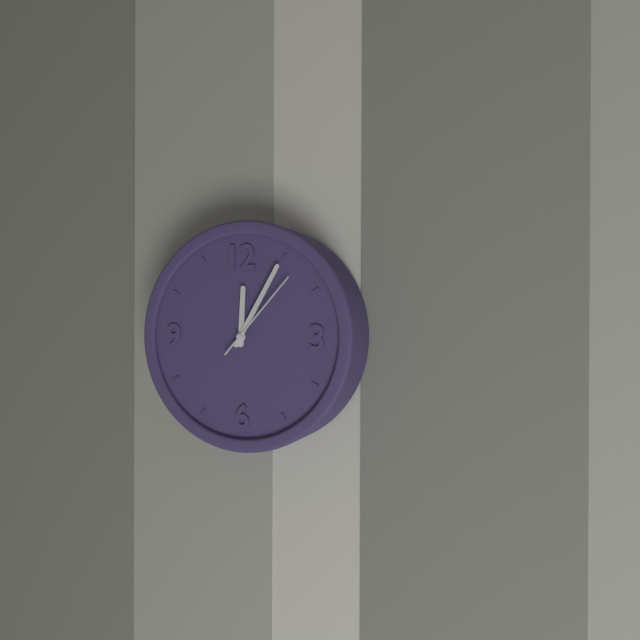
12.05.07
